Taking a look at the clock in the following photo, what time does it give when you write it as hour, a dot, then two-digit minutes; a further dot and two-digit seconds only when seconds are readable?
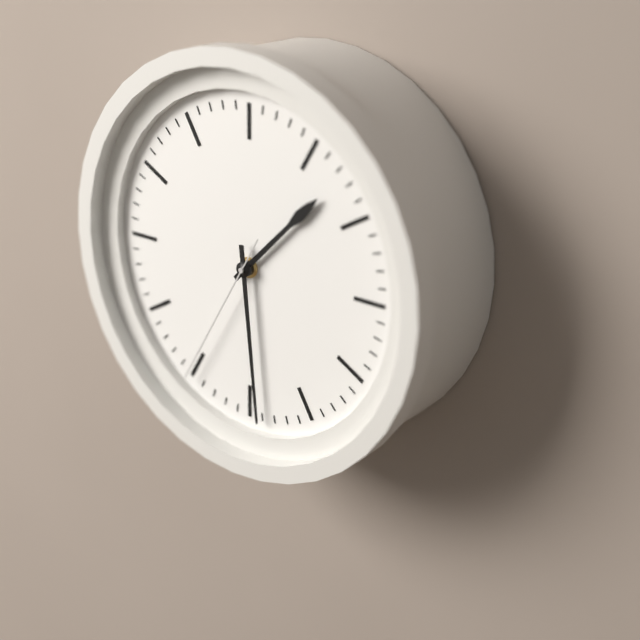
1.29.35
